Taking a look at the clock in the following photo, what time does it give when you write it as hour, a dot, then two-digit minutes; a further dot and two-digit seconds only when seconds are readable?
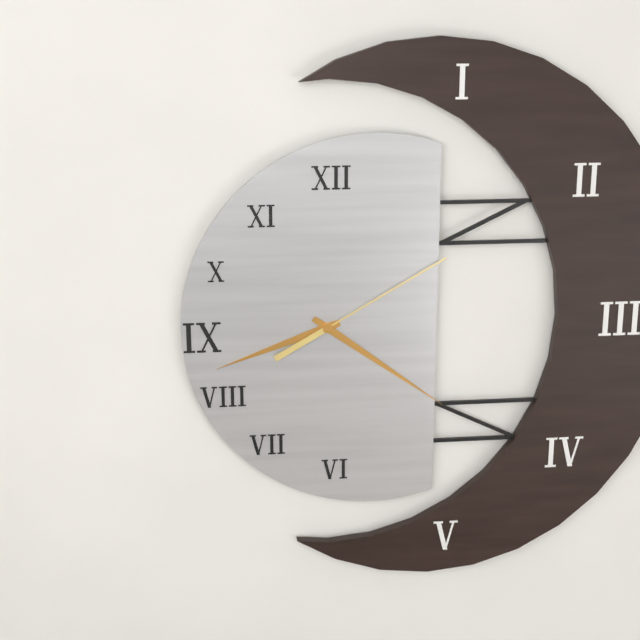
8.21.10
